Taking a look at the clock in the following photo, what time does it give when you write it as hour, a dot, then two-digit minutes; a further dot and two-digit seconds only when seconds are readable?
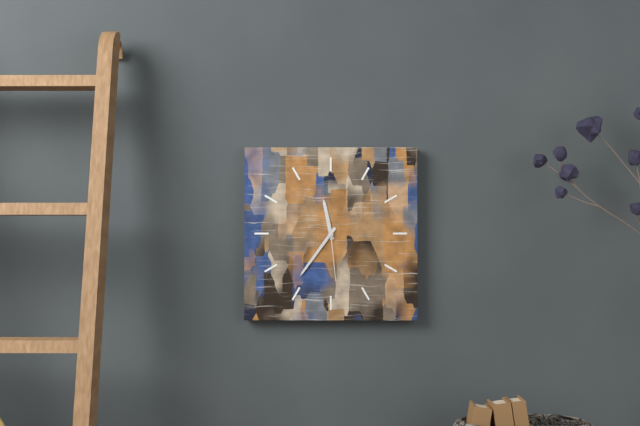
11.36.29
